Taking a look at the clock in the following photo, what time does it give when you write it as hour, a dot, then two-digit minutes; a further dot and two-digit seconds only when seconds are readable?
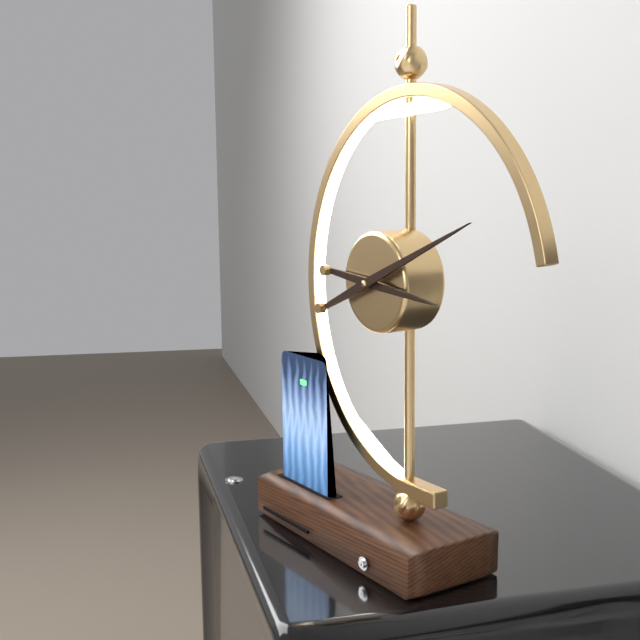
3.11
